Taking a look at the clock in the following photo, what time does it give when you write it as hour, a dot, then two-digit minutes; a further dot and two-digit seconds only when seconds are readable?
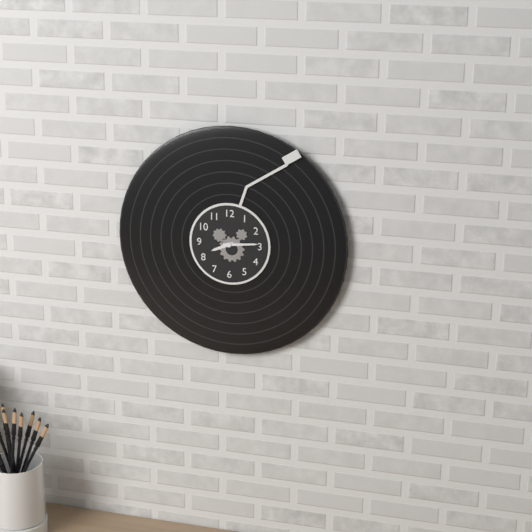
8.14
